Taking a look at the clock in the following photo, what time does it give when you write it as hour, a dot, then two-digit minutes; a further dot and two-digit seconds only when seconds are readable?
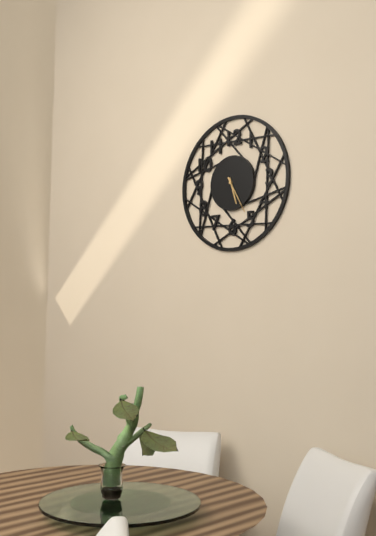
5.25
